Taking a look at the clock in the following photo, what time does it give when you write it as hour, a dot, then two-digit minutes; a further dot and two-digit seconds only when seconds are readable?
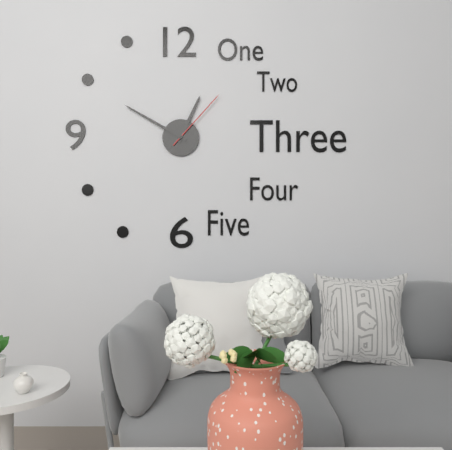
12.50.07
